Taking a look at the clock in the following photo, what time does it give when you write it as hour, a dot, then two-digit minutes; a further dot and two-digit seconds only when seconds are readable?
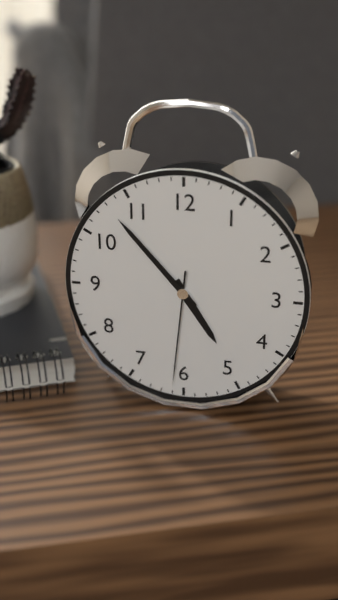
4.53.31
